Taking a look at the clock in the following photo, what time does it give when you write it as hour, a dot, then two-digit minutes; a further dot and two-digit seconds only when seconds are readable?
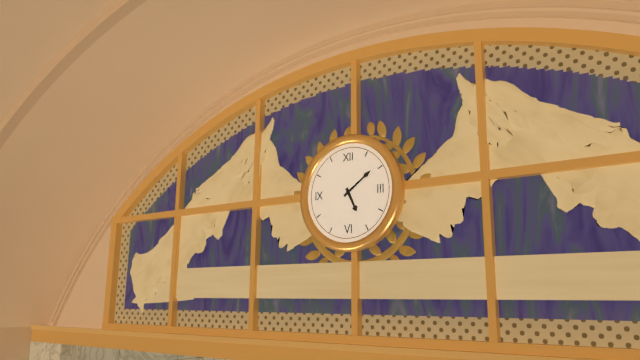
5.09
